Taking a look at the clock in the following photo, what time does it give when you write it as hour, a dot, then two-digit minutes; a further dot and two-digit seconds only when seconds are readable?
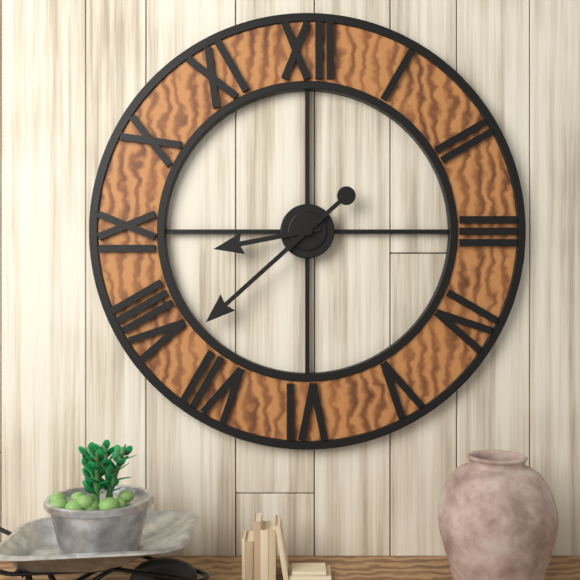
8.38
